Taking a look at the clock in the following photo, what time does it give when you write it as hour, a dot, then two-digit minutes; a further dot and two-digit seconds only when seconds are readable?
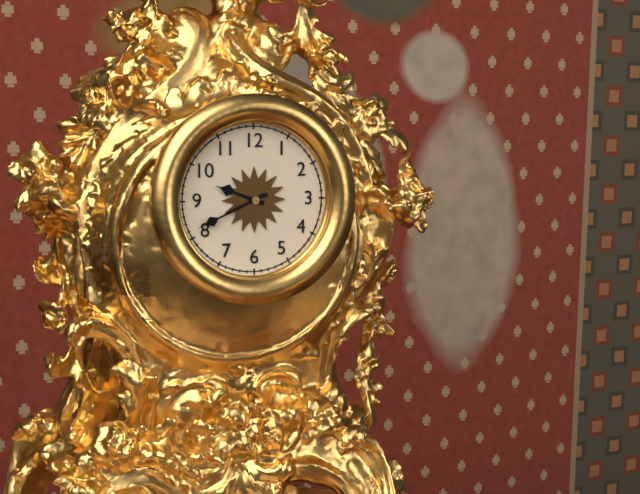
9.41
